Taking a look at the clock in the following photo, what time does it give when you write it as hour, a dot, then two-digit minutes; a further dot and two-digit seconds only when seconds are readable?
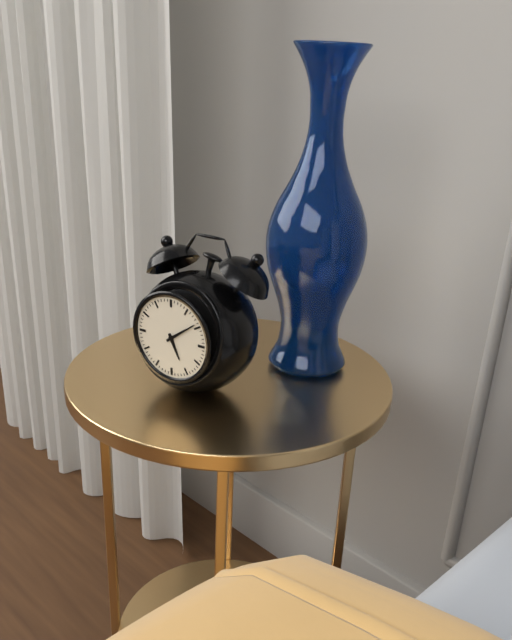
5.09
